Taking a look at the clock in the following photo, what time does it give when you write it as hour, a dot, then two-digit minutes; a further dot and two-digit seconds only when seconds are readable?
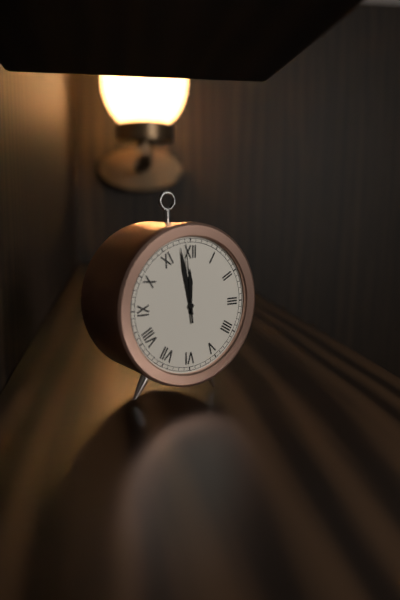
11.58.59
